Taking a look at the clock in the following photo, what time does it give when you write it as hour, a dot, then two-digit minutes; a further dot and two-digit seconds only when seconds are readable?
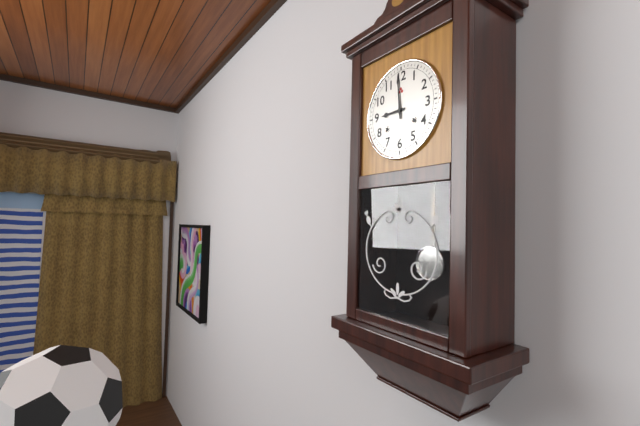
8.59
